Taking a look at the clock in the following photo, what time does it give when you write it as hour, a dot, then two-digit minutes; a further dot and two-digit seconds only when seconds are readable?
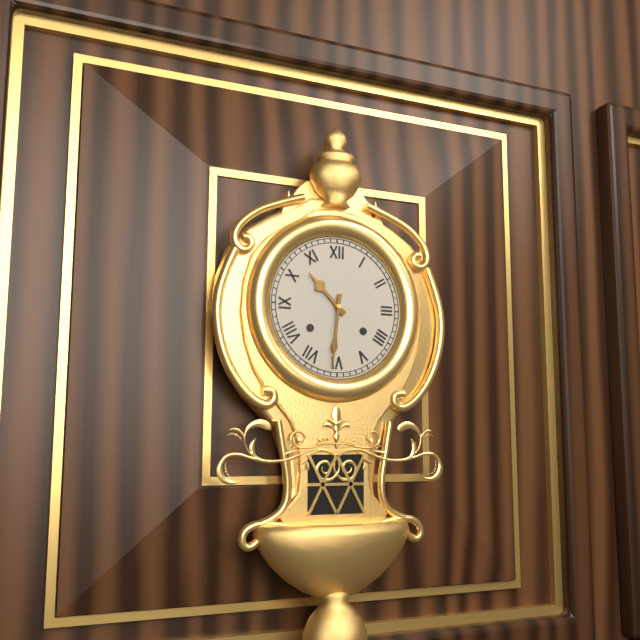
10.31
